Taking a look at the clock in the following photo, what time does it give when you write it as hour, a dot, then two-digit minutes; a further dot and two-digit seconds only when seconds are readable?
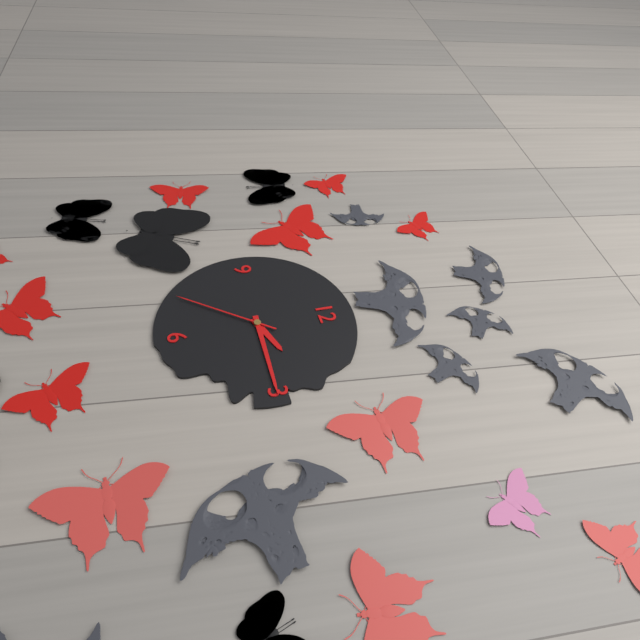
2.15.36
